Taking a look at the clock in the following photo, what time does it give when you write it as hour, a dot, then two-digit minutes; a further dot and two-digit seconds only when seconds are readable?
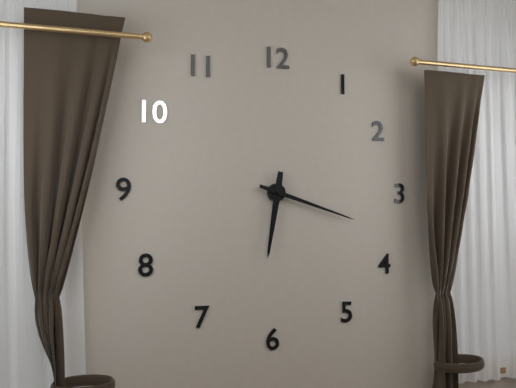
6.18
